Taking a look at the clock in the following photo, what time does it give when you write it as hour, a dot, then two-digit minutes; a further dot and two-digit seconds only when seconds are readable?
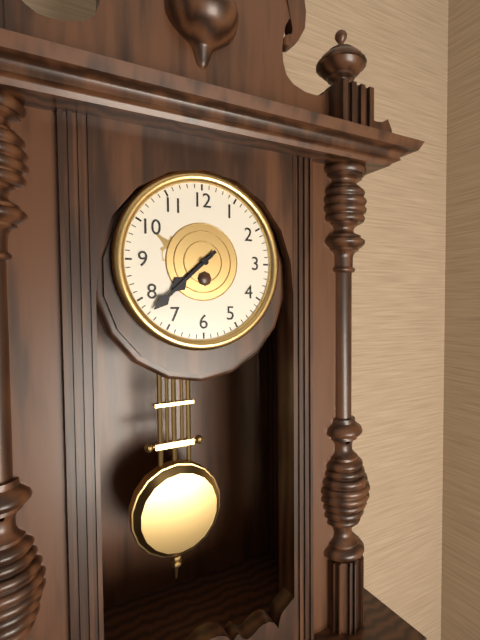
7.38
